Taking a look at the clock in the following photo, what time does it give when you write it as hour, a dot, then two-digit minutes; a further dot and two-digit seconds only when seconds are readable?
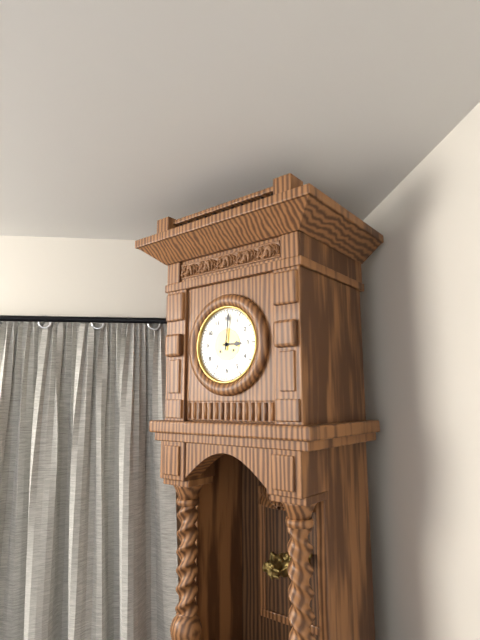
3.01
